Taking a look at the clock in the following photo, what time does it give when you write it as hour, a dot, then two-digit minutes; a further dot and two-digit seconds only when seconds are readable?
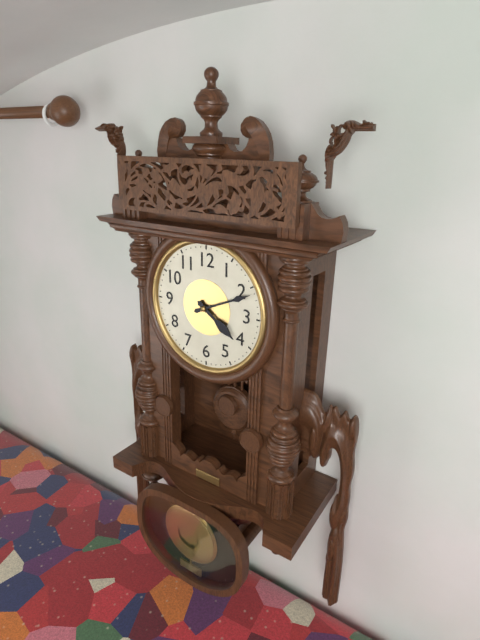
4.11
